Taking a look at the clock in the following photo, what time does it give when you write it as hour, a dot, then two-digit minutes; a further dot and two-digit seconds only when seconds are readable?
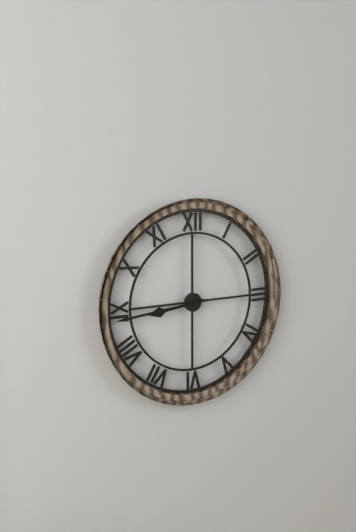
8.44
